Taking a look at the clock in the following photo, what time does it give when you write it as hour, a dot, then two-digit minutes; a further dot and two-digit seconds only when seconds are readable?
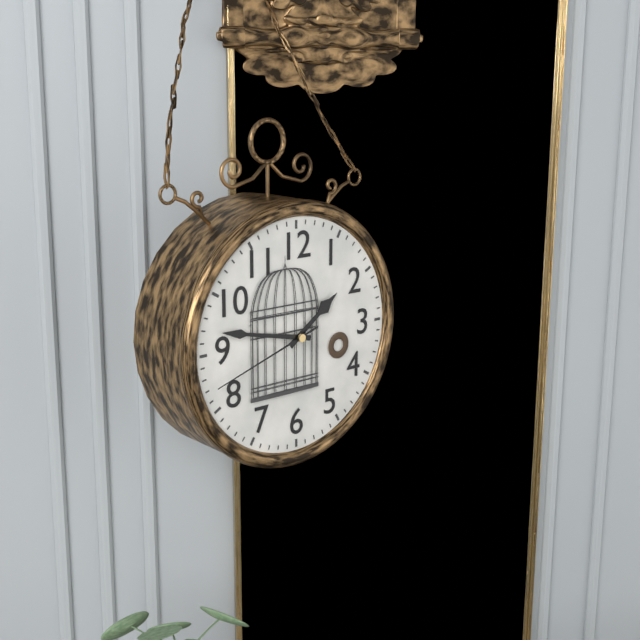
1.47.42
